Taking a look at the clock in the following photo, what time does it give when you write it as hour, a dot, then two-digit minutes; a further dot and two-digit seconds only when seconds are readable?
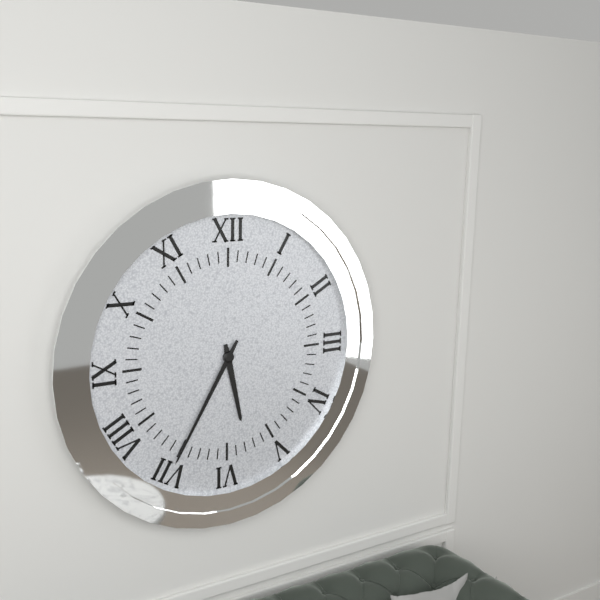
5.35
